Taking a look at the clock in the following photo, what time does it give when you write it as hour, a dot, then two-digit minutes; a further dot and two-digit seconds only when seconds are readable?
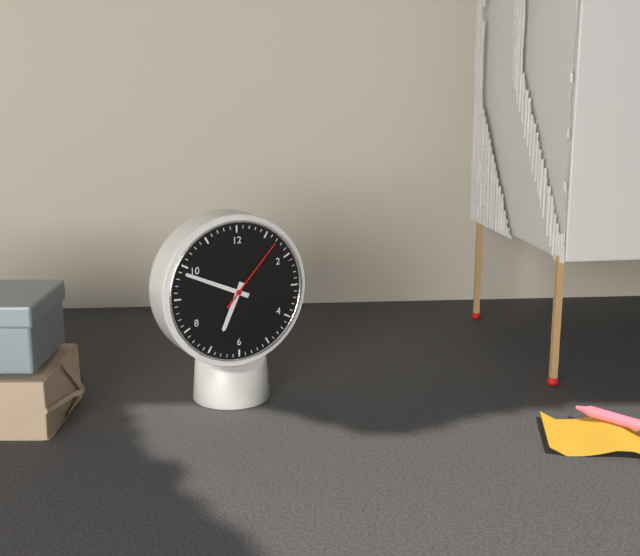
6.49.07
